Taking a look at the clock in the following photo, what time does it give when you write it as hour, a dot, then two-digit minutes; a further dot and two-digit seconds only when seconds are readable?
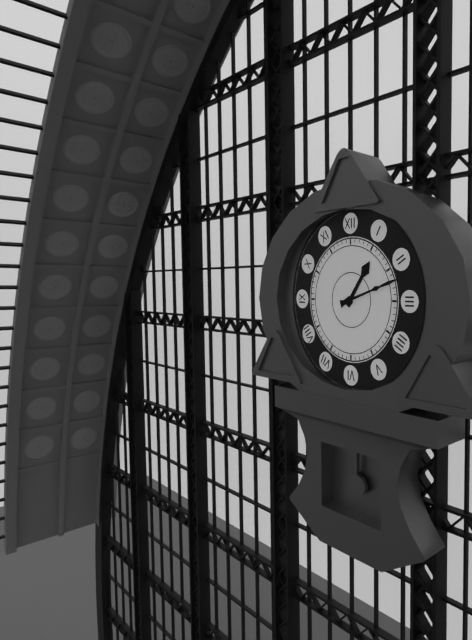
1.12
